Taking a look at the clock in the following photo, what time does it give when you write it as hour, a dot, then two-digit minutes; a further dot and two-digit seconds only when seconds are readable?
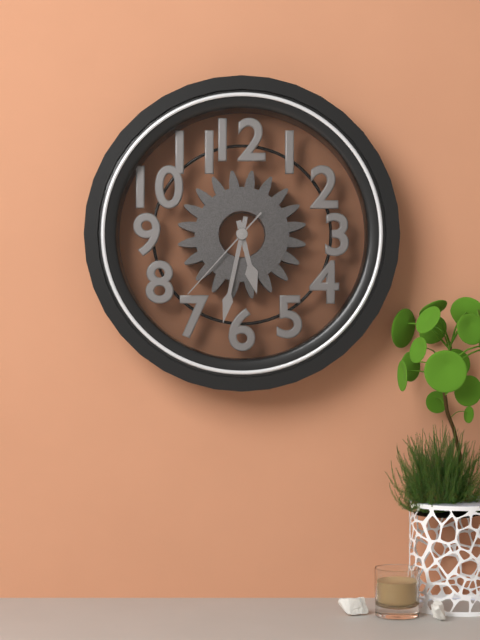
5.32.37
